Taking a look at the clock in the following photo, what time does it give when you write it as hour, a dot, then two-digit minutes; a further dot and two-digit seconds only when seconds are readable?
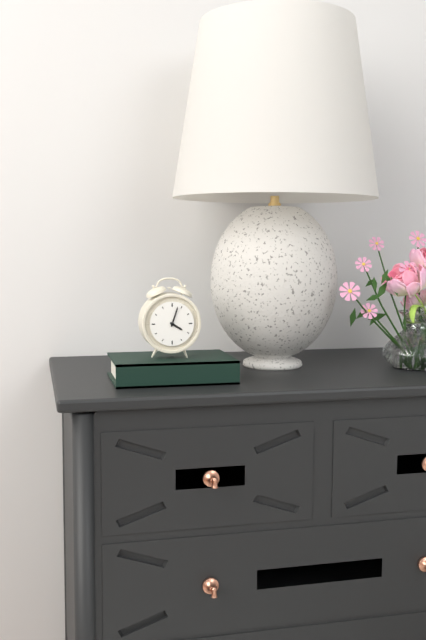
4.03
